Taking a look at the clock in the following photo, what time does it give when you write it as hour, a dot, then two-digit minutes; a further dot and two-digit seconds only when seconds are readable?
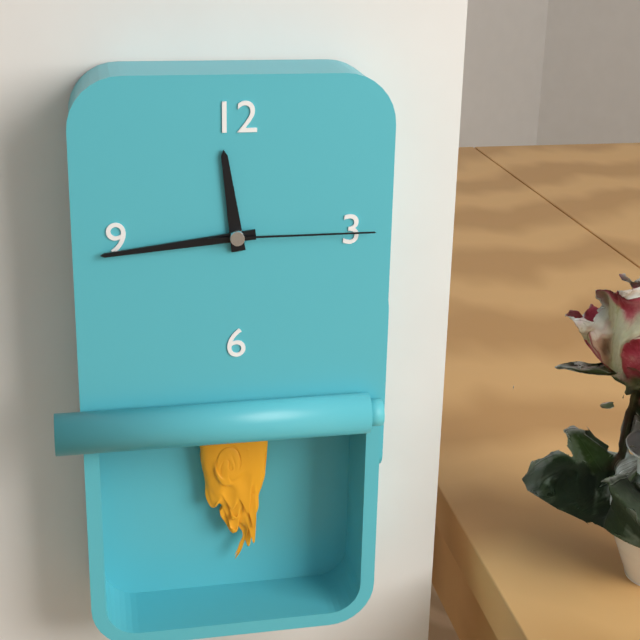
11.44.15
